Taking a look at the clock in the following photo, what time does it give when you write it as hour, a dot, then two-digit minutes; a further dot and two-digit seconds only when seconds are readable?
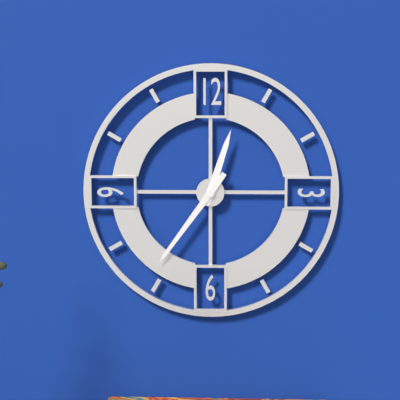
12.36
